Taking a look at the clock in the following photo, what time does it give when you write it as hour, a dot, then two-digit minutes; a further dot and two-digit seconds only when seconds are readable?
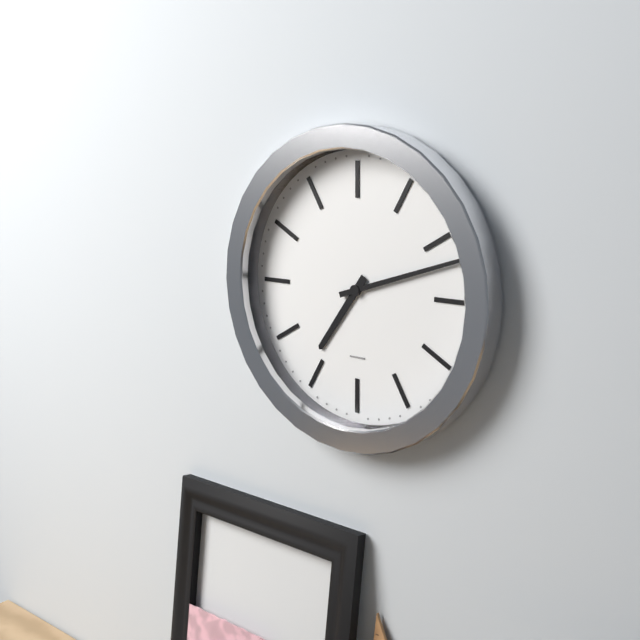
7.12
